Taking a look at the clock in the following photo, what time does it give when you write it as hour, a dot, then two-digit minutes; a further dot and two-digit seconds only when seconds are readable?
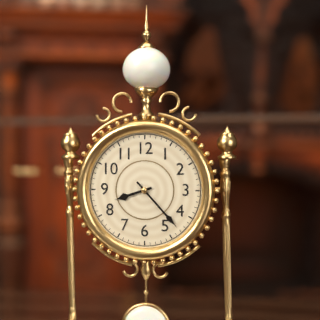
8.23
